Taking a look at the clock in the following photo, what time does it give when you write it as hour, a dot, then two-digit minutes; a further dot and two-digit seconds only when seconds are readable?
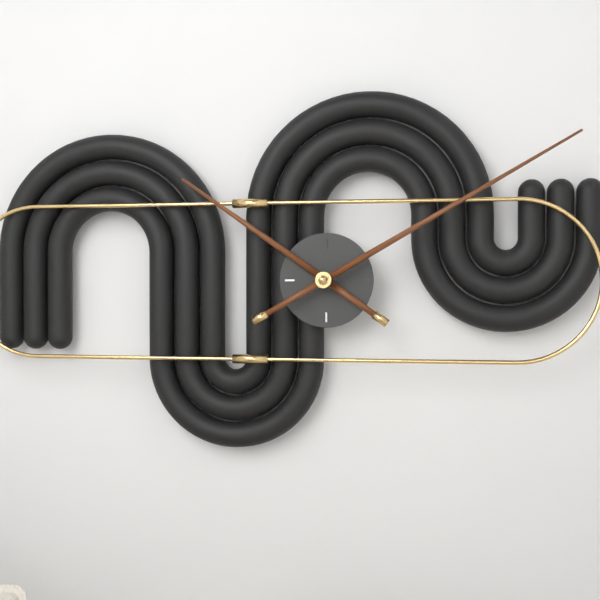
10.10
